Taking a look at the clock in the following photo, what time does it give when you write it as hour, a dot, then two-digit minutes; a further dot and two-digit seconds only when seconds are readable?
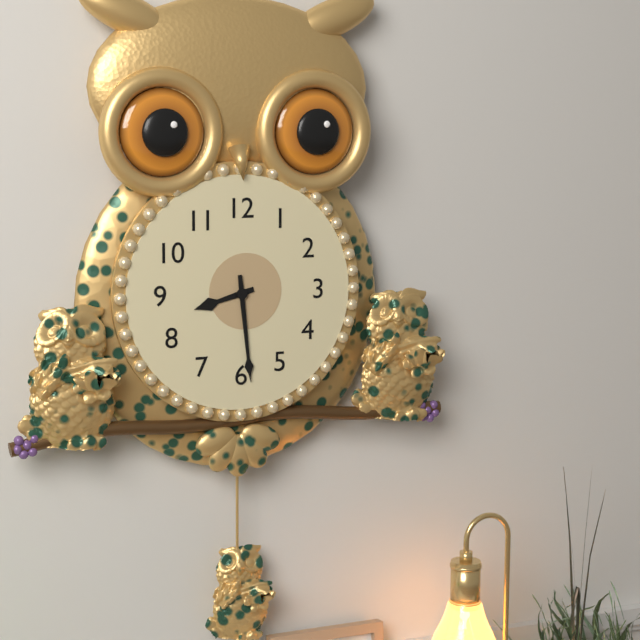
8.29
